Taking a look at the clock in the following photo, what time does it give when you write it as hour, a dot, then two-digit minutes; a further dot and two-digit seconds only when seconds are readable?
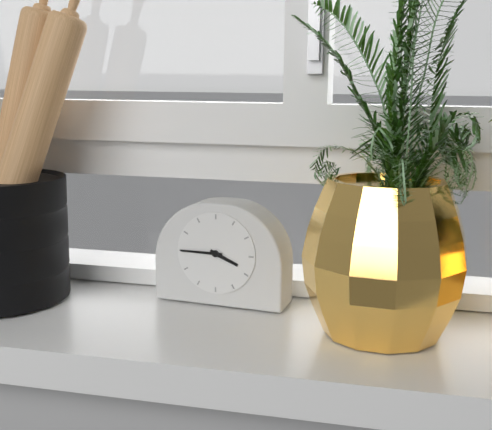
3.45
